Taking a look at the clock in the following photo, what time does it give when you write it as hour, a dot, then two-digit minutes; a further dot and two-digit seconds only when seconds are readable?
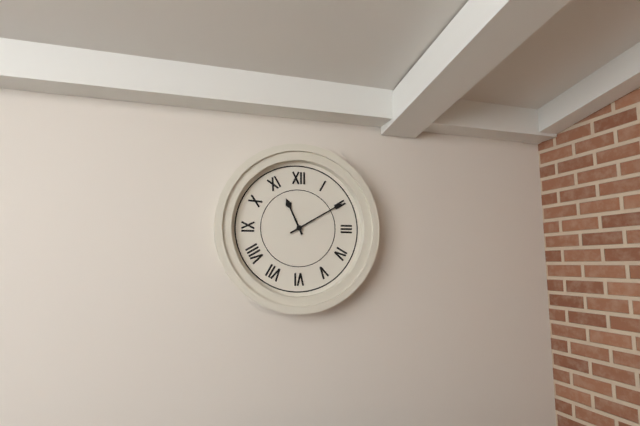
11.10
